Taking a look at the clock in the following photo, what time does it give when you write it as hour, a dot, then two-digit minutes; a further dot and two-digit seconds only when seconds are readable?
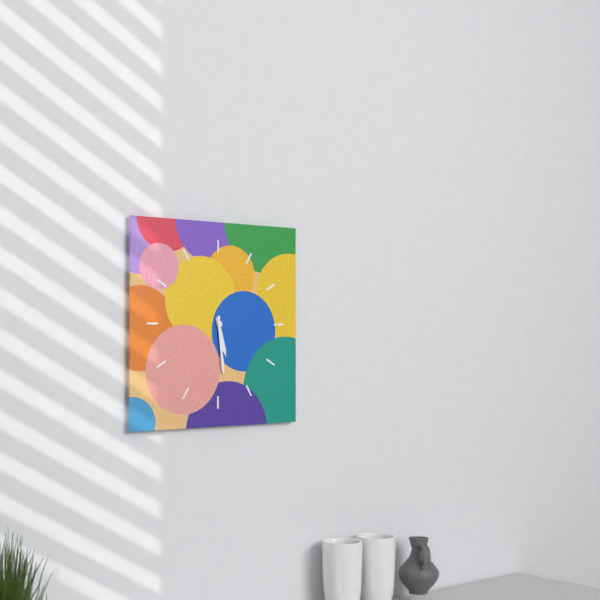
5.29
